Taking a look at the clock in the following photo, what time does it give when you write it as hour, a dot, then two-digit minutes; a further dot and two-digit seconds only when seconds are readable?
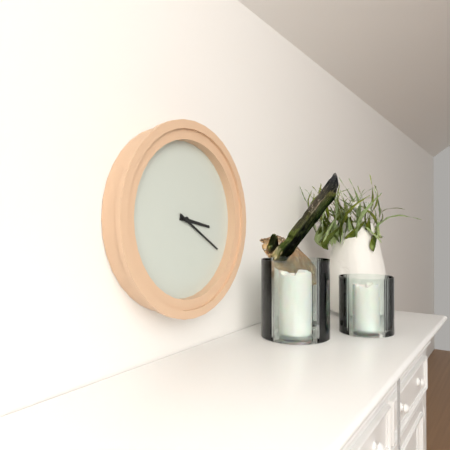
3.20
